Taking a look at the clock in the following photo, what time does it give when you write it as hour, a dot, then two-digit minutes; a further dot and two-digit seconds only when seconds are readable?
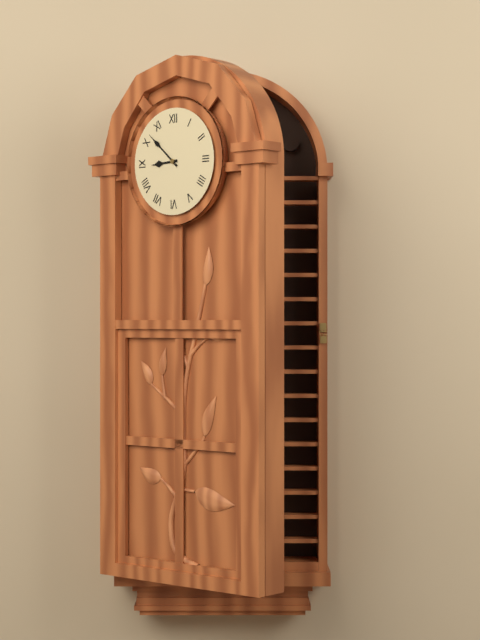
8.52
